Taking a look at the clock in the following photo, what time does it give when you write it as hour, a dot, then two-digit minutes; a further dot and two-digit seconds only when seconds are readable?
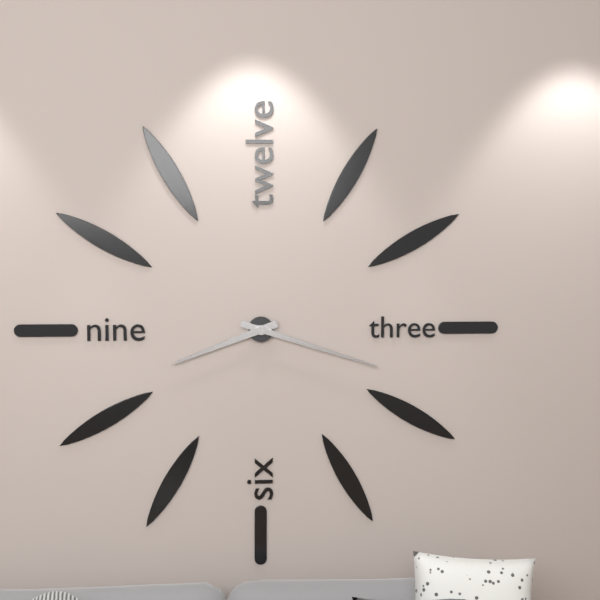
8.18
